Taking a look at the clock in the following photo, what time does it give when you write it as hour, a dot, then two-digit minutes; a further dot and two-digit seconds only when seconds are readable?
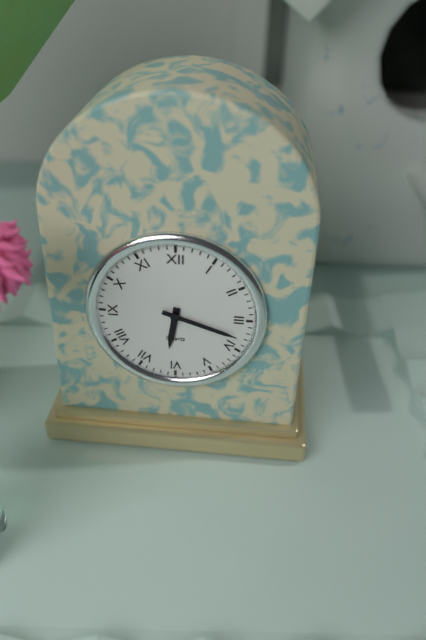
6.18
